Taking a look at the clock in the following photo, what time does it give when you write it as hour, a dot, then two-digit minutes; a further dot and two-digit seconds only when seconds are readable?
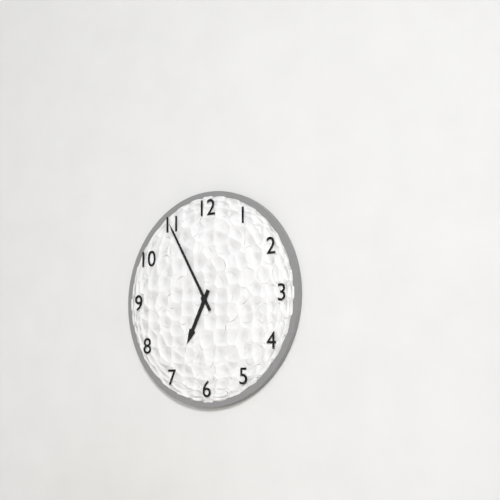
6.55
